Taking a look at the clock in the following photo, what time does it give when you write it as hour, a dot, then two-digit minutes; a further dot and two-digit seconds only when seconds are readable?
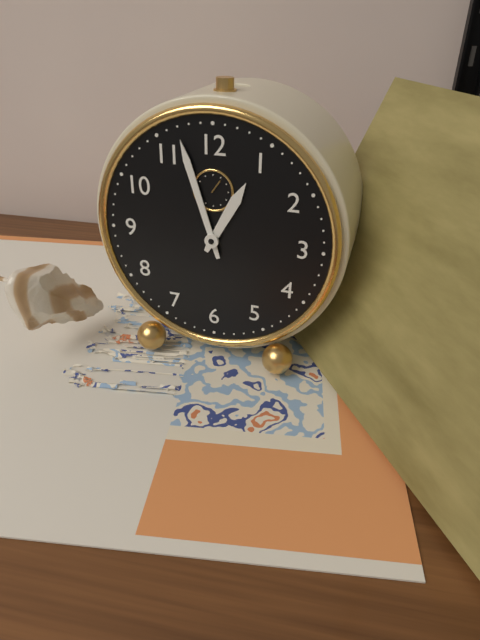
12.57
